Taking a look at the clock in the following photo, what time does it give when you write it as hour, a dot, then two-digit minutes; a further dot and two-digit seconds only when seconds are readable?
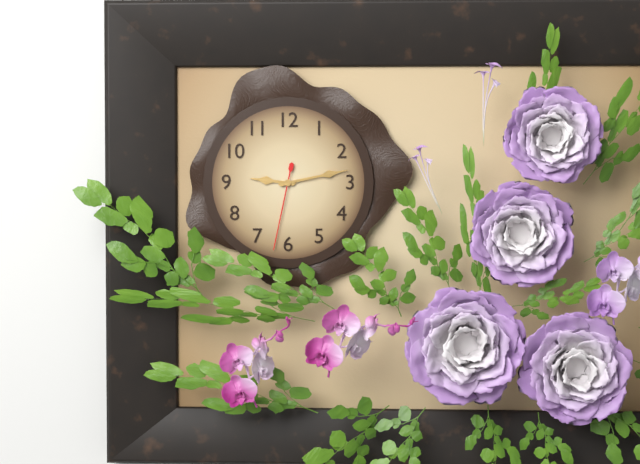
9.13.32
